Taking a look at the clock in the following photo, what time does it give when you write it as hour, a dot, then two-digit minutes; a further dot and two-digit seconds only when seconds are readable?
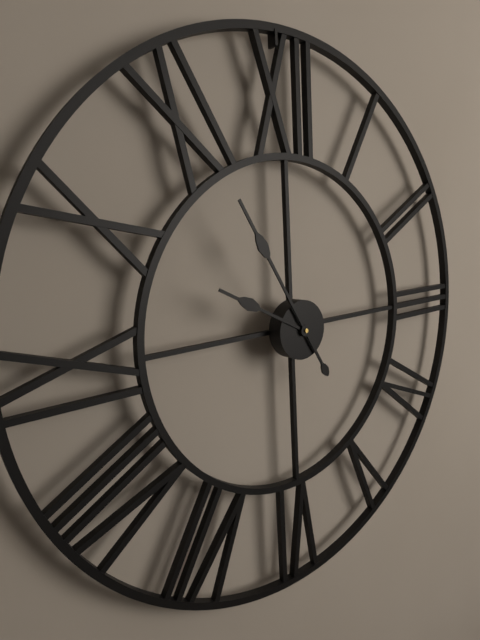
9.55
